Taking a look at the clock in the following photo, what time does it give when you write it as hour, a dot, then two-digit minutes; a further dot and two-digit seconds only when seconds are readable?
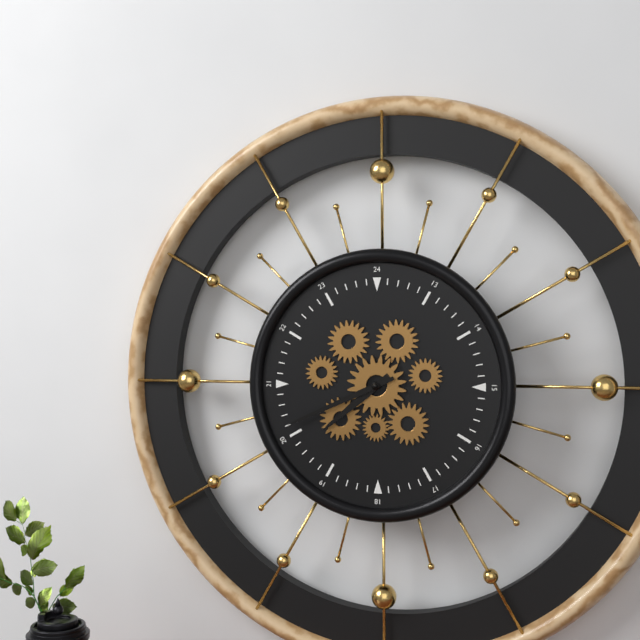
7.41
